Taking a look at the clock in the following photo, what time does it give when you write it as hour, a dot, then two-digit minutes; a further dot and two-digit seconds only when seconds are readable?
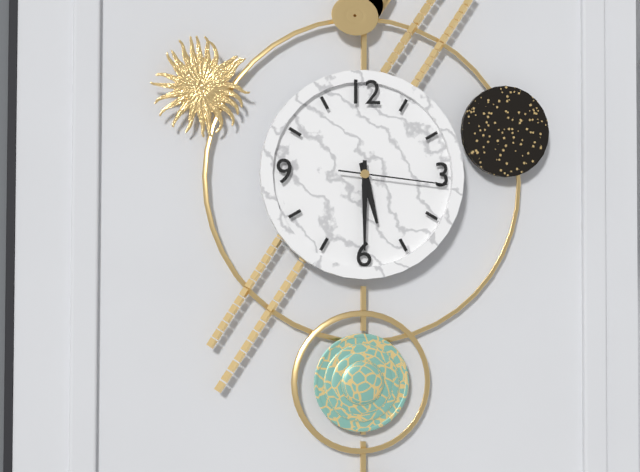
5.30.16
